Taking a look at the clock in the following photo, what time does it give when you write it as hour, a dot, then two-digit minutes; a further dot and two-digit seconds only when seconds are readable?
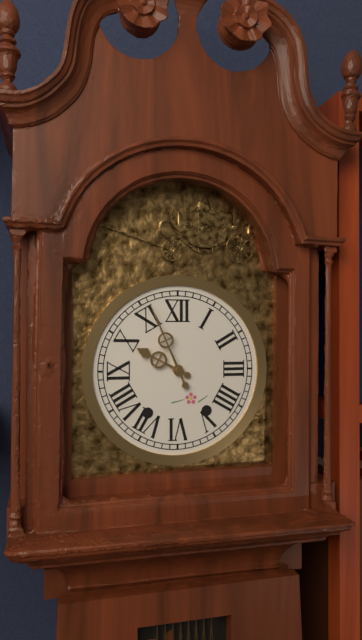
9.56
